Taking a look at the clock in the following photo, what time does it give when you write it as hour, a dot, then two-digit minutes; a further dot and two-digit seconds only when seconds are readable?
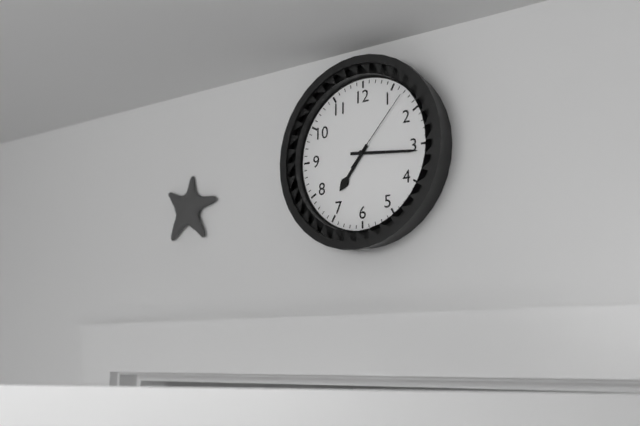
7.16.07
